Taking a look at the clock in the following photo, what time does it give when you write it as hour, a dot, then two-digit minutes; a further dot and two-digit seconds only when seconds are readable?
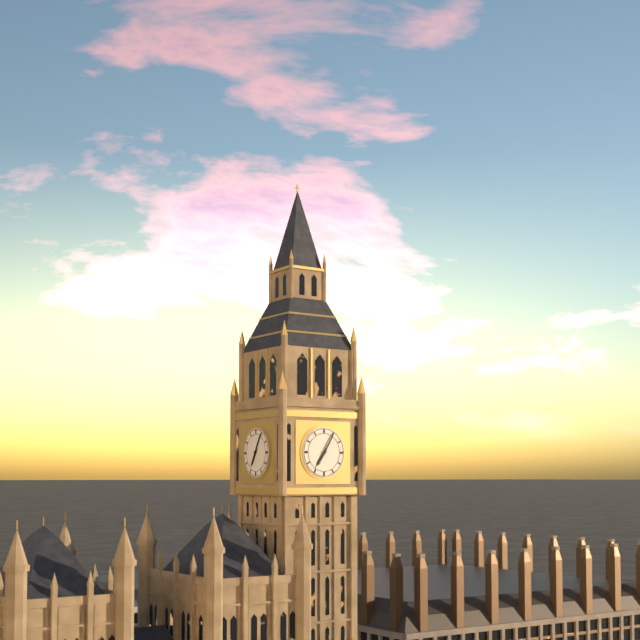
7.05
